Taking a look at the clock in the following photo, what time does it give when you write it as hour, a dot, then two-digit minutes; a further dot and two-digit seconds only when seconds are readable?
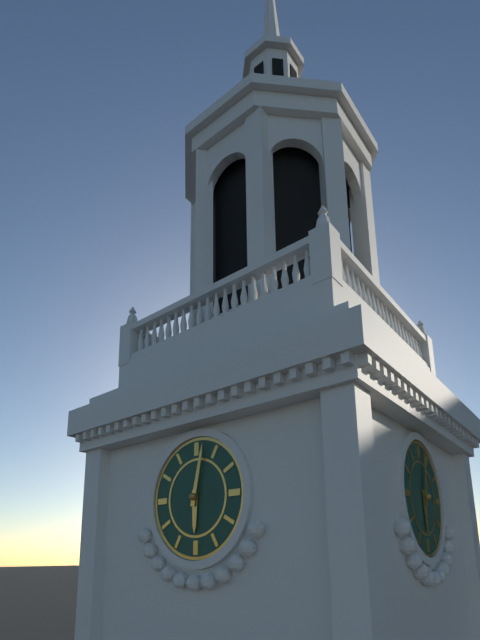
6.02
